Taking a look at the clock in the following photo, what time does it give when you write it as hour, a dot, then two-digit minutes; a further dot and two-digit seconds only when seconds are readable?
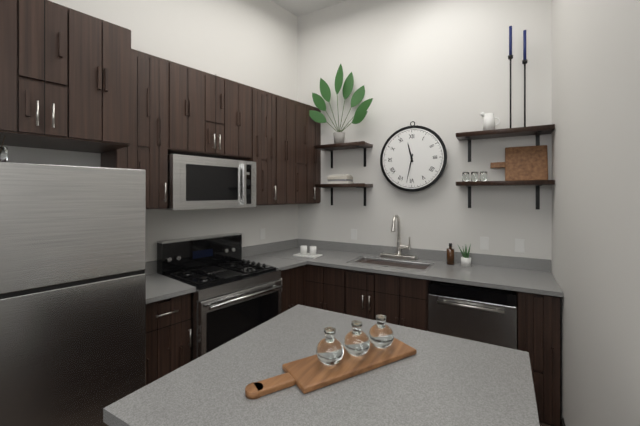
11.32
